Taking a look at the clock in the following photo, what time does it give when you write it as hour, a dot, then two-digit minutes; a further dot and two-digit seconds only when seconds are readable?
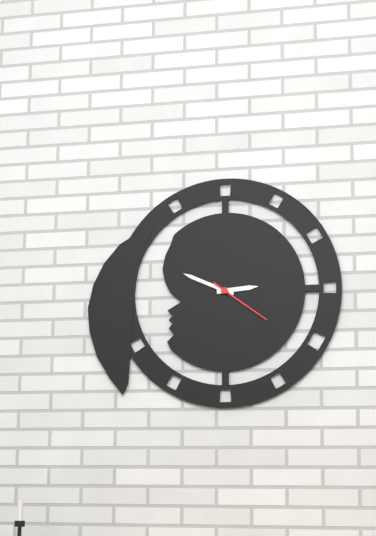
2.49.21
